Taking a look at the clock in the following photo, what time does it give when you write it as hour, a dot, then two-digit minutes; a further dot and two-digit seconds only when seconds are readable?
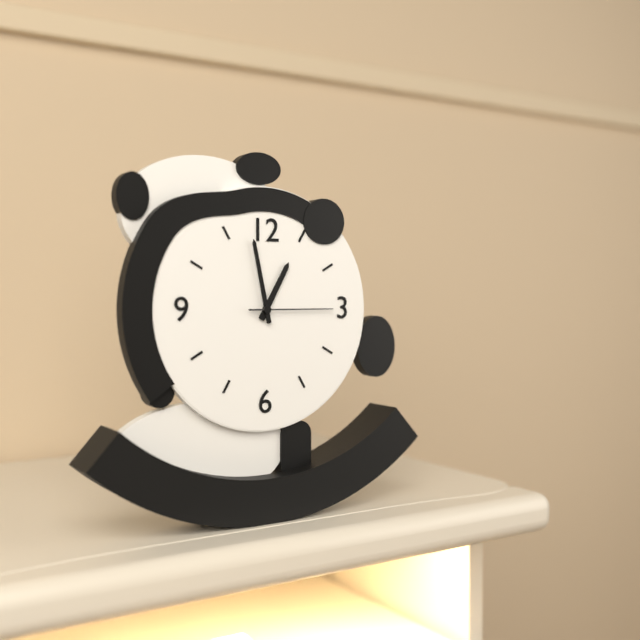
12.58.15
